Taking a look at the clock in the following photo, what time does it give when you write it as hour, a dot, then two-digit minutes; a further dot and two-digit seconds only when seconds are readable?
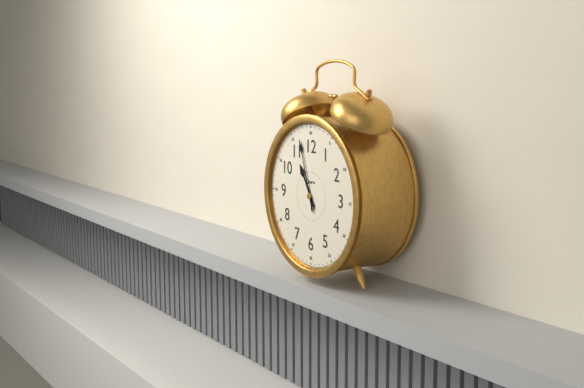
10.57
